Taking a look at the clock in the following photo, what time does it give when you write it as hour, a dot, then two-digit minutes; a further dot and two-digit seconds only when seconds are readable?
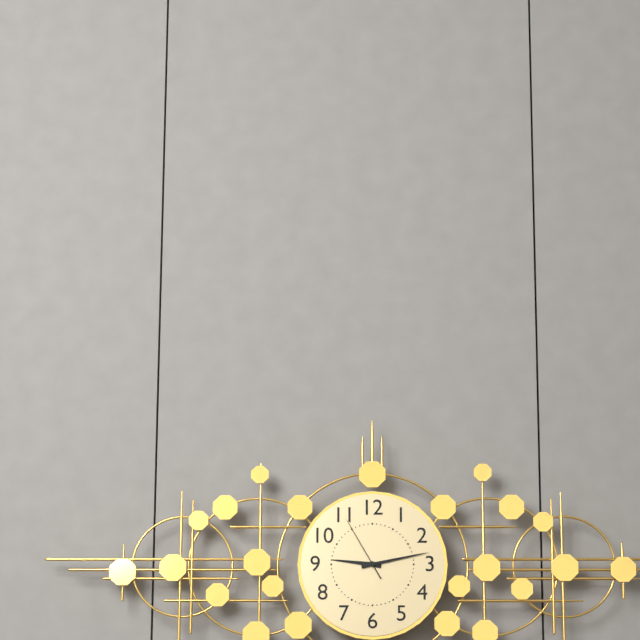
9.13.55
